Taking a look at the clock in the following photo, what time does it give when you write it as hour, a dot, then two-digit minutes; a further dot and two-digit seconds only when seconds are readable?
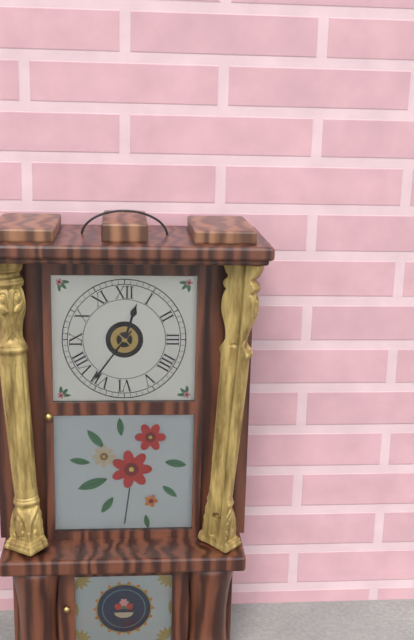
12.36
